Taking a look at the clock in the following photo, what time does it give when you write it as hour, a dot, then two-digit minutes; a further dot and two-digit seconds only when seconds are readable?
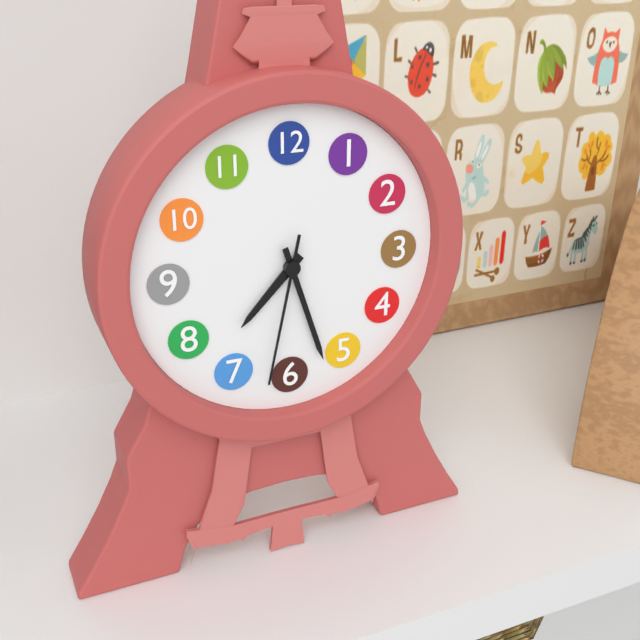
7.27.32
